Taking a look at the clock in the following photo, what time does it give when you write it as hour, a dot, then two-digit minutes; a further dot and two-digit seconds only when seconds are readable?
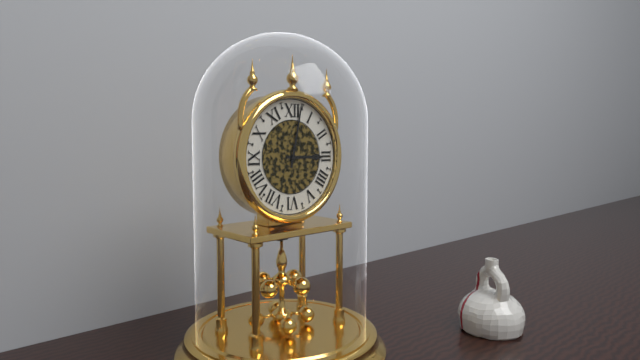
3.02
